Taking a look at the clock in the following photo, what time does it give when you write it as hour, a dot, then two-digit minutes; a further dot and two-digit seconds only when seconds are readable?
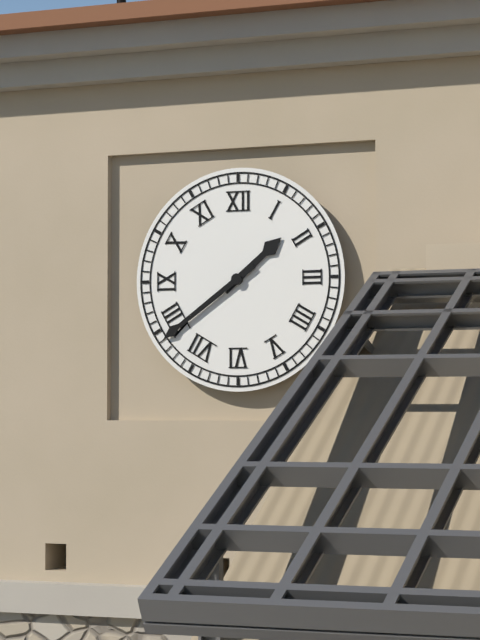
1.39
